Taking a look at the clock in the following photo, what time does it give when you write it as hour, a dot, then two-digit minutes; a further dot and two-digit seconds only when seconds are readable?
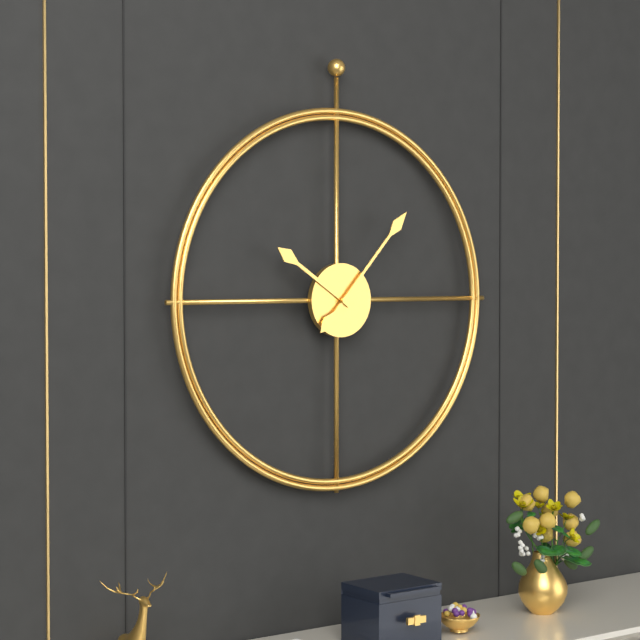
10.07
